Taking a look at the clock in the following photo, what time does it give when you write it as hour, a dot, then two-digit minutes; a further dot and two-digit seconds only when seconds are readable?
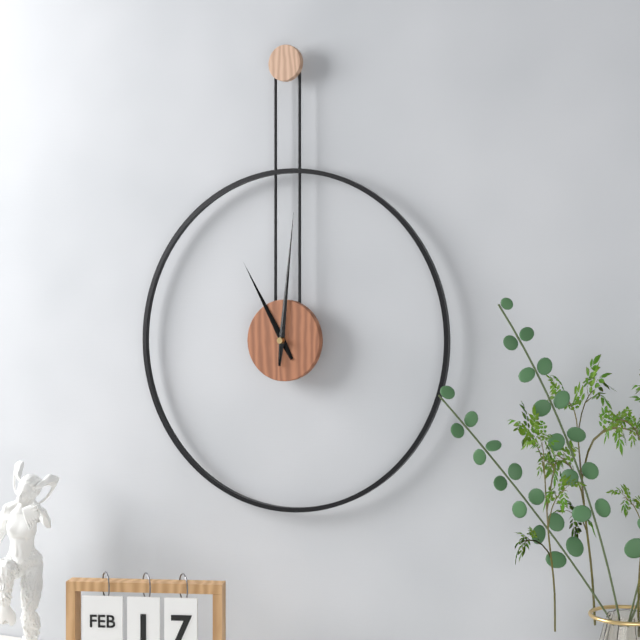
11.01
